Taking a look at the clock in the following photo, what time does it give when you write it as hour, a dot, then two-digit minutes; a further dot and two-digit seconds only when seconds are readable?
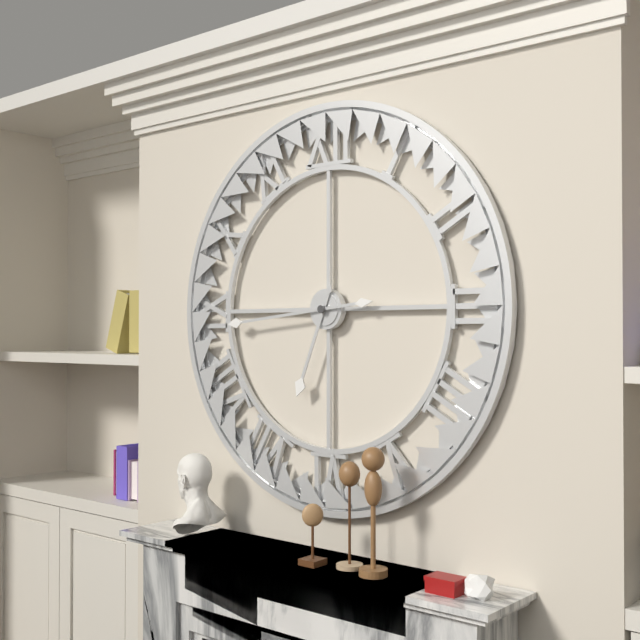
6.44
